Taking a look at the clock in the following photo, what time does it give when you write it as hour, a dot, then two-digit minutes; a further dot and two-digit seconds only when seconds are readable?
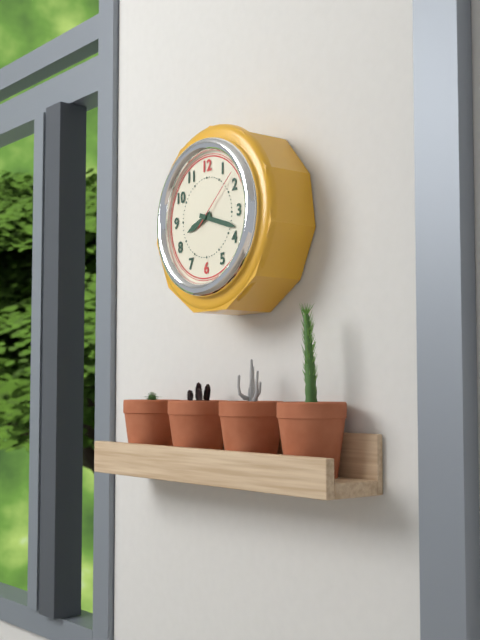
8.18.08
